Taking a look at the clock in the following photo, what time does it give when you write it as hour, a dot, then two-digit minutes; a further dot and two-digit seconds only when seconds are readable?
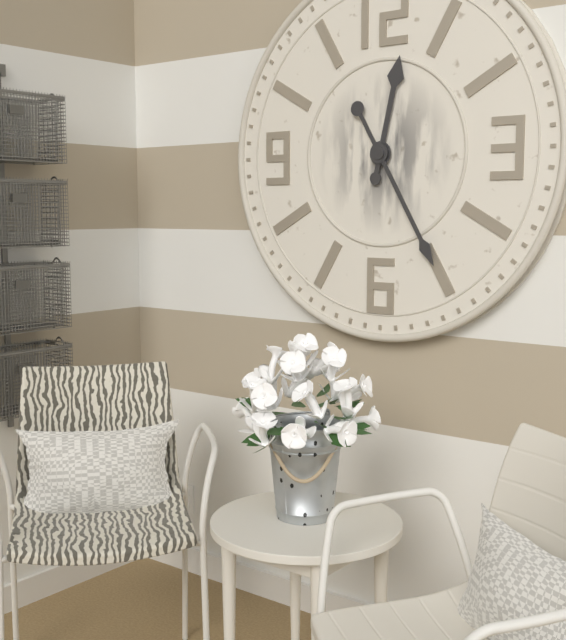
12.25
